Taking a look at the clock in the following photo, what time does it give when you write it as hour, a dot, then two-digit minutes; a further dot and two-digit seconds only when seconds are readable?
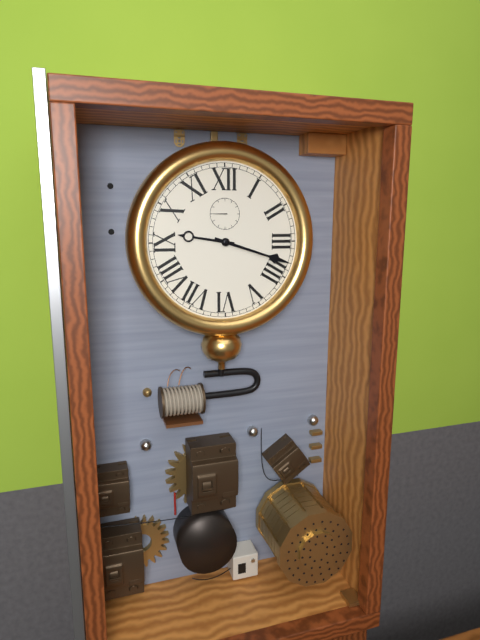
9.18
